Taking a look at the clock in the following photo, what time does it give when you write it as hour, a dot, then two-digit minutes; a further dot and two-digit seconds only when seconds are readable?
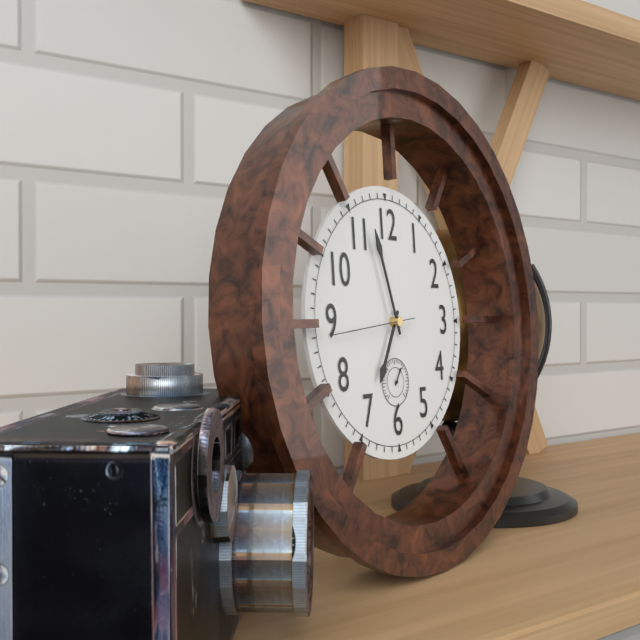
6.57.44
